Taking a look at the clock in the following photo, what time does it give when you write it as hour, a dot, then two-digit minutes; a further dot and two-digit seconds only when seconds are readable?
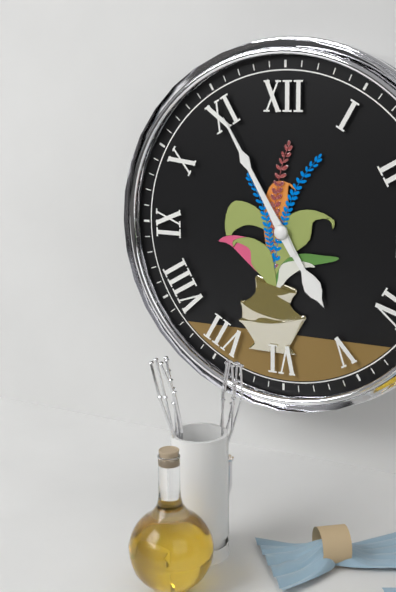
4.55
